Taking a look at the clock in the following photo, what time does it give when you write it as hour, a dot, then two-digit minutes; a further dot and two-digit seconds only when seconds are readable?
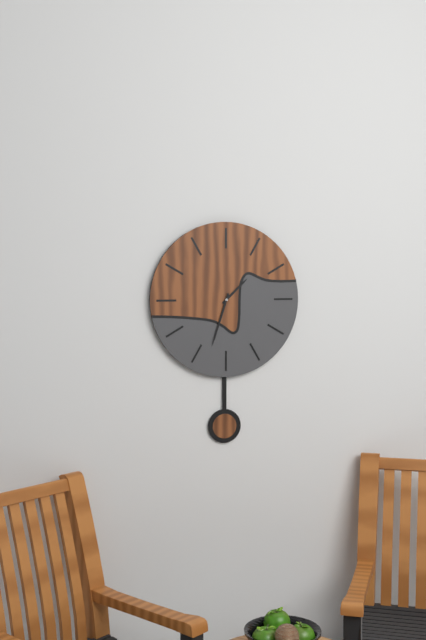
1.33
